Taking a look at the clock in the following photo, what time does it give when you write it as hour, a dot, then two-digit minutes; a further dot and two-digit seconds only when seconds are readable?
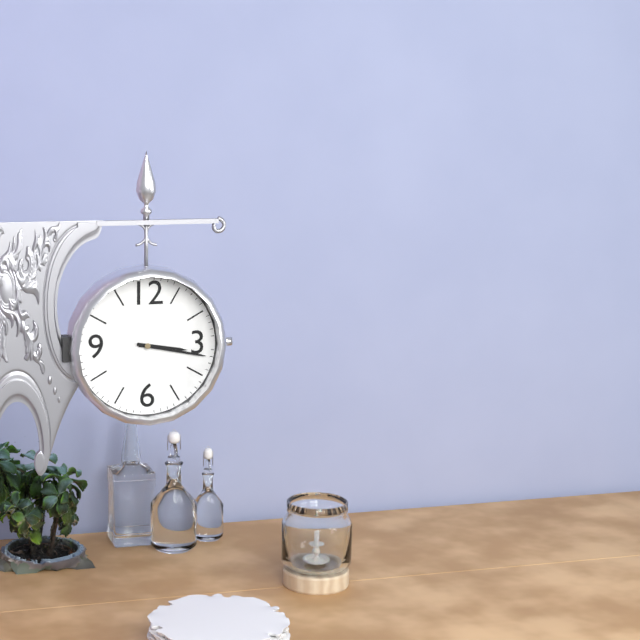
3.17
